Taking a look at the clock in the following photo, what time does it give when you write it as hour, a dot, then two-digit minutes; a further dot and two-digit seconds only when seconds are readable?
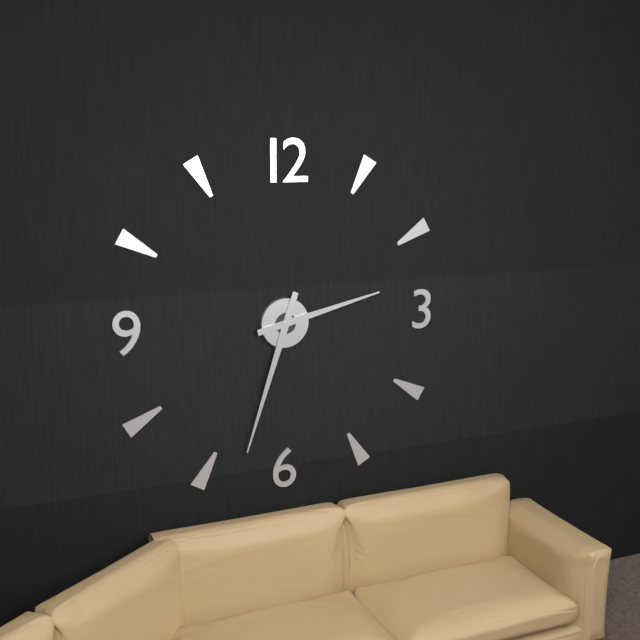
2.33
